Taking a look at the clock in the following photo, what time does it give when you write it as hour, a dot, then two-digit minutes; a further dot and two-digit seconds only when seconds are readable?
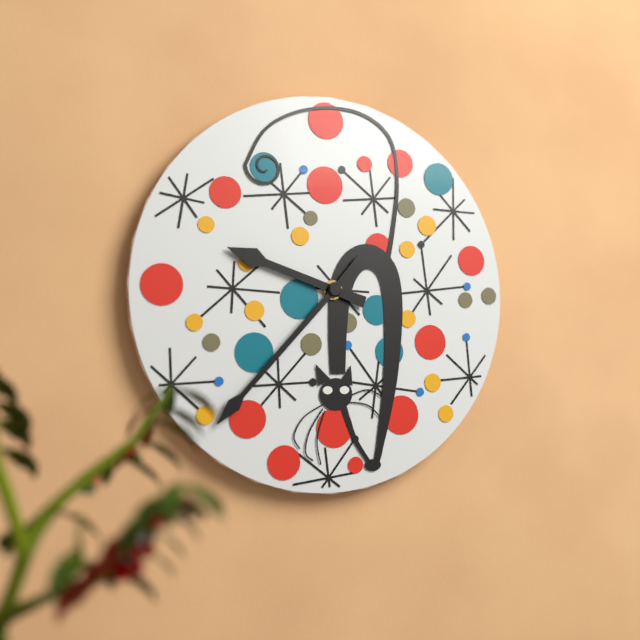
9.37
